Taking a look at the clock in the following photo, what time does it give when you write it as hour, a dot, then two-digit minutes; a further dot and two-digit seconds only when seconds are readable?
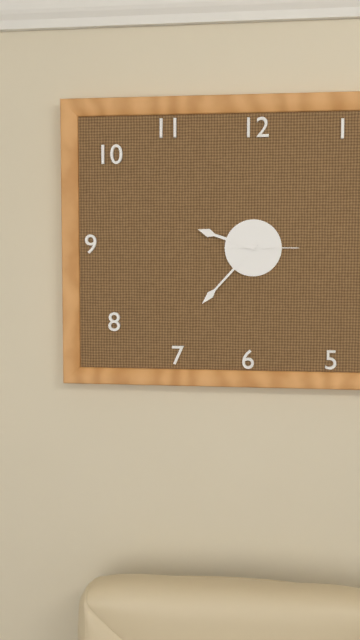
9.37.15
